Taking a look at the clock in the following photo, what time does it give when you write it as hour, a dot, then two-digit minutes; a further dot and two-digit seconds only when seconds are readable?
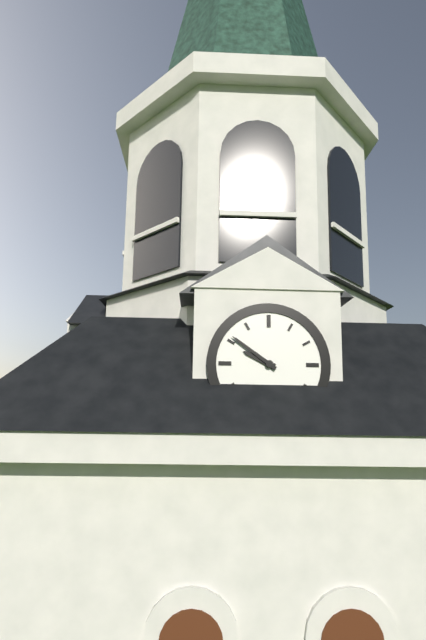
9.51
